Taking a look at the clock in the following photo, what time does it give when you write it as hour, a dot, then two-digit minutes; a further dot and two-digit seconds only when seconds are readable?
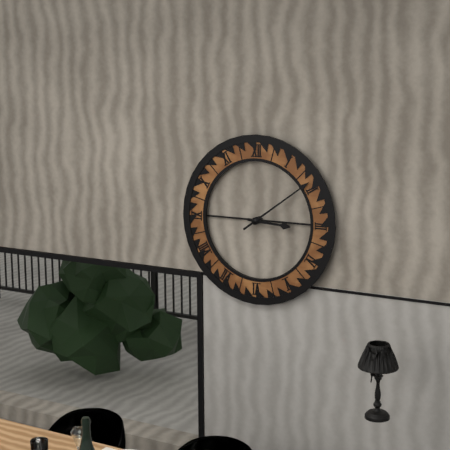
3.09
